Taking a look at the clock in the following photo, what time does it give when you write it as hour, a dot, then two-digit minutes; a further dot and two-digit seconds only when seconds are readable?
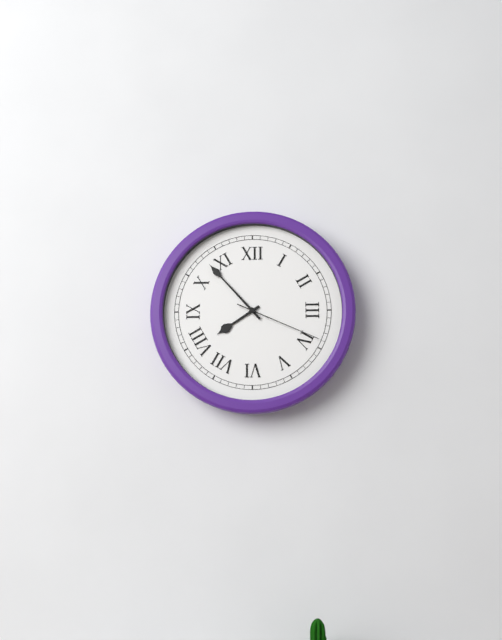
7.53.19
